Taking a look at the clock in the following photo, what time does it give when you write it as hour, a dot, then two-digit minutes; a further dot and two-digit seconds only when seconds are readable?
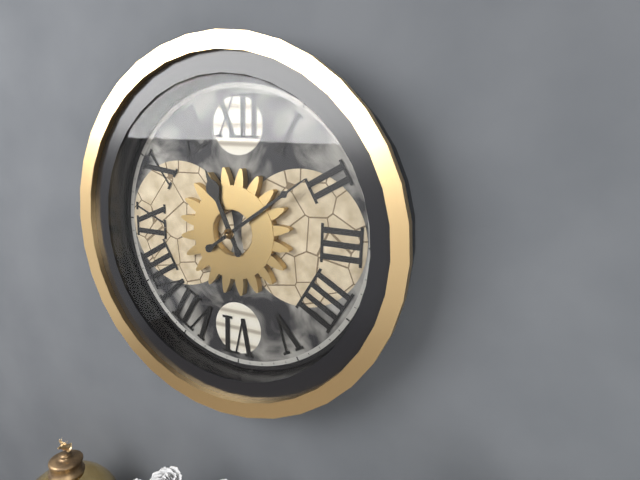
11.09
